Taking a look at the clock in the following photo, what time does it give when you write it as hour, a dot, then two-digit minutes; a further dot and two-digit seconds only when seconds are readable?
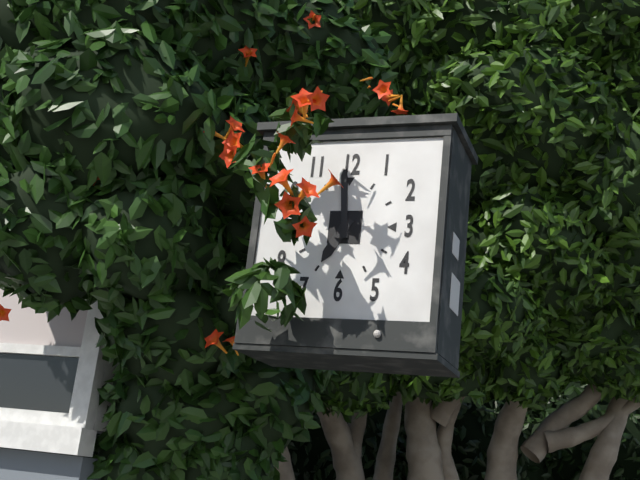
6.59
